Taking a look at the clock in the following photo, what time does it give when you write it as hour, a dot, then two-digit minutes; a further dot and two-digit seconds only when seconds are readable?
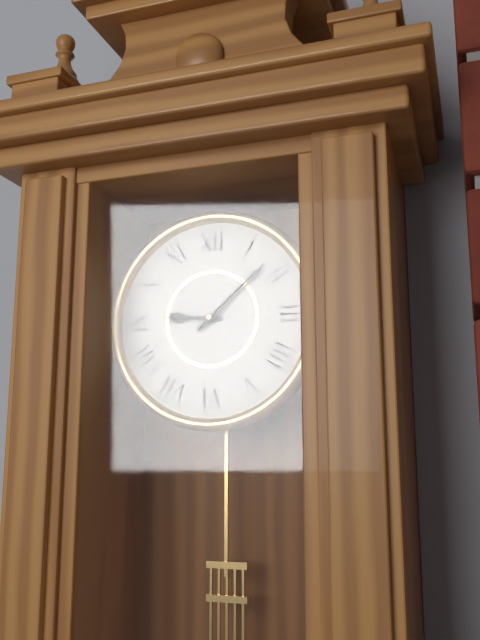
9.08
